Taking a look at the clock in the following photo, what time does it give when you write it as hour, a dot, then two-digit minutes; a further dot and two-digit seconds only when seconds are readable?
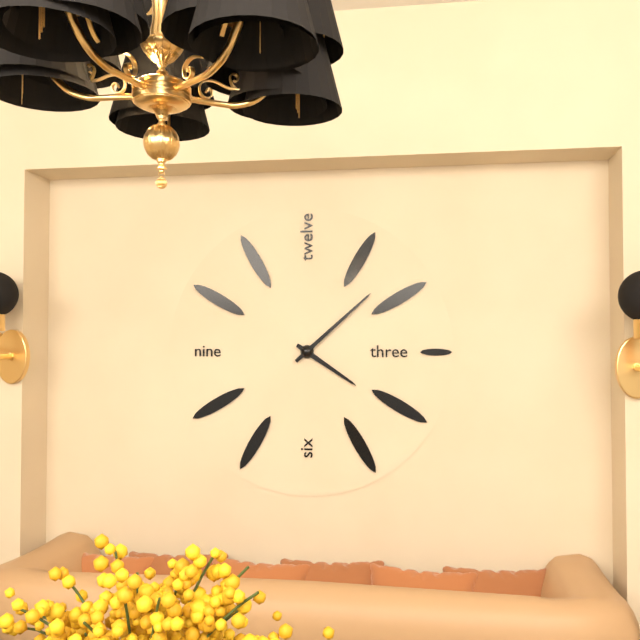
4.08
